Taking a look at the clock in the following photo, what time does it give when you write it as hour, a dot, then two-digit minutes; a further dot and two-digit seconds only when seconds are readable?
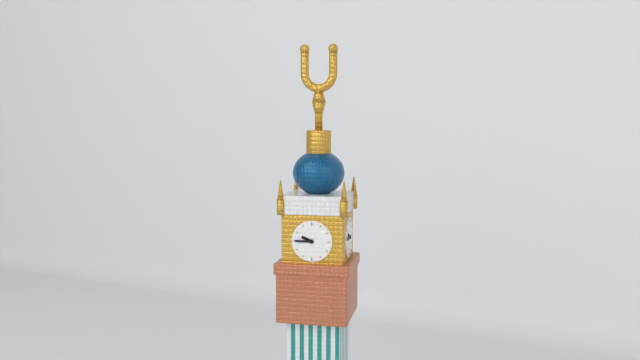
9.45
